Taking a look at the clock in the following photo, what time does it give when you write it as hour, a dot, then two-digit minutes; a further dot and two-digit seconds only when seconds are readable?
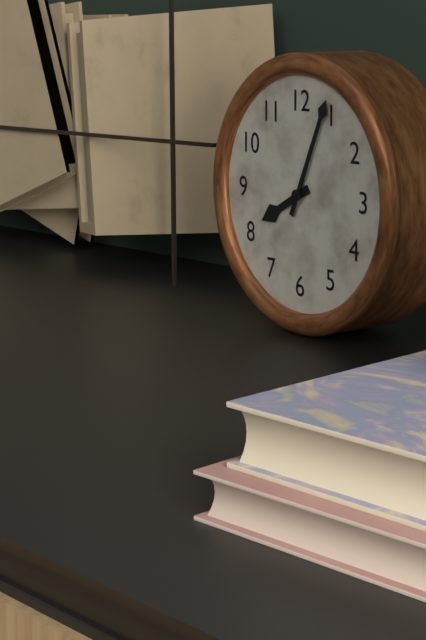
8.04
